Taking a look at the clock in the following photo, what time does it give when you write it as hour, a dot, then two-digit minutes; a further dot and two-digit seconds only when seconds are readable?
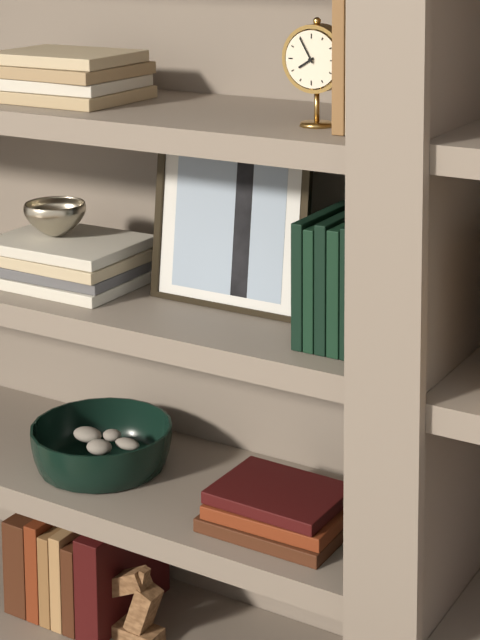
7.55
